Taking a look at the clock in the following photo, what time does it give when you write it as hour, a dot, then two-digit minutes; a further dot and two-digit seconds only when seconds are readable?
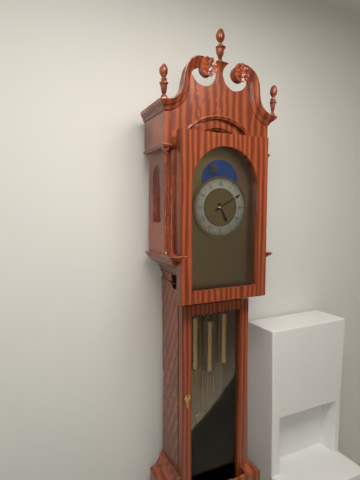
5.10
